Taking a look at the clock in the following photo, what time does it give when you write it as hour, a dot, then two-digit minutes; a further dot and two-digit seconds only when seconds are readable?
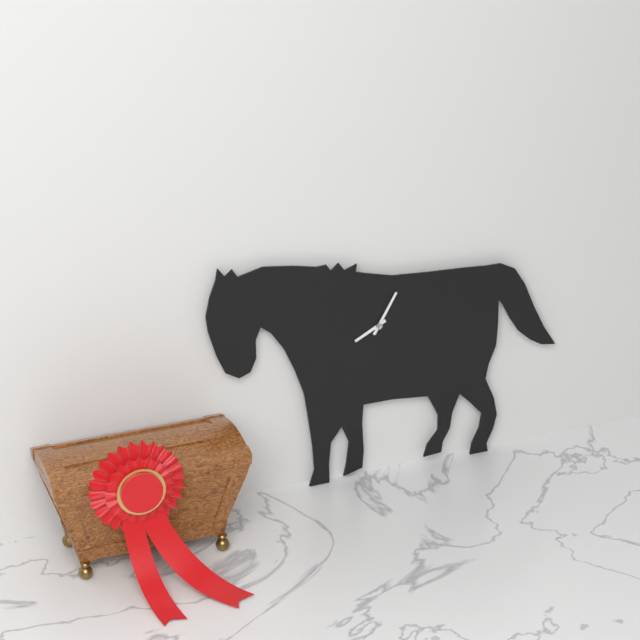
8.05
